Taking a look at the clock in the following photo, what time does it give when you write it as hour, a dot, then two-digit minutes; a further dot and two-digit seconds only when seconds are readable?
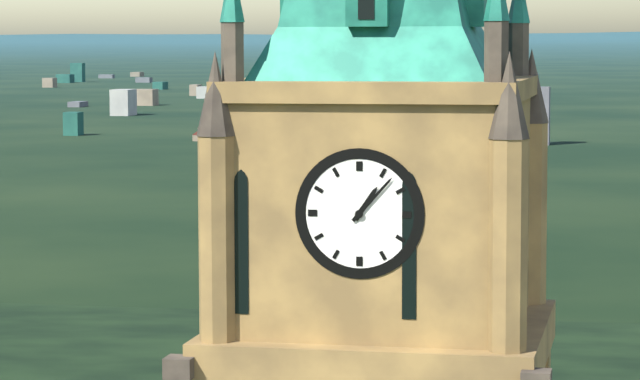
1.07
